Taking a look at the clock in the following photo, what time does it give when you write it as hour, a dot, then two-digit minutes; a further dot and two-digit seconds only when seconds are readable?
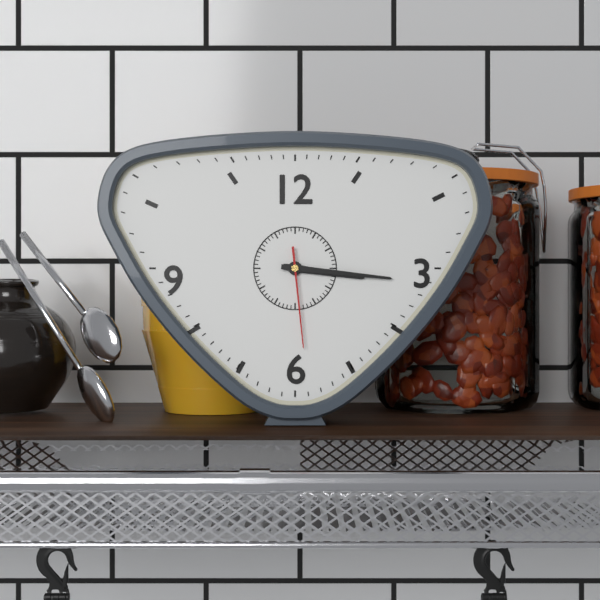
3.16.29
